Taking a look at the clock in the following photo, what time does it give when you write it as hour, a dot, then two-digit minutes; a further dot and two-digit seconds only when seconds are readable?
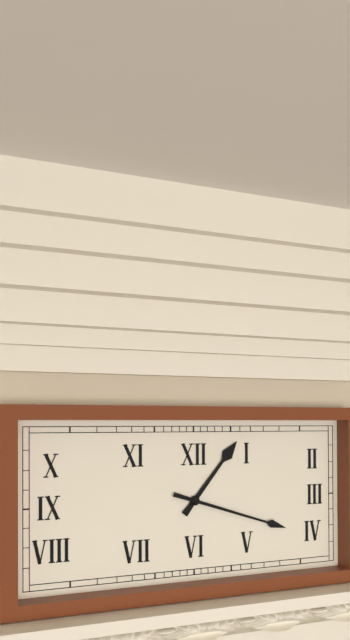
1.18
